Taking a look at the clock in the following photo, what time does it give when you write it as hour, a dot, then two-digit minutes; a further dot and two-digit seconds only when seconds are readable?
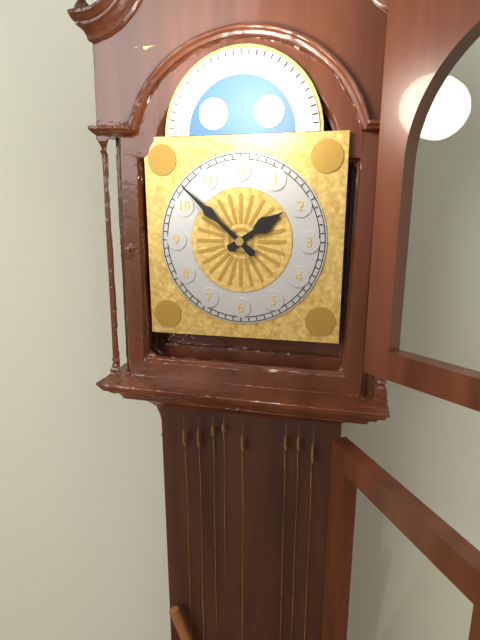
1.52
